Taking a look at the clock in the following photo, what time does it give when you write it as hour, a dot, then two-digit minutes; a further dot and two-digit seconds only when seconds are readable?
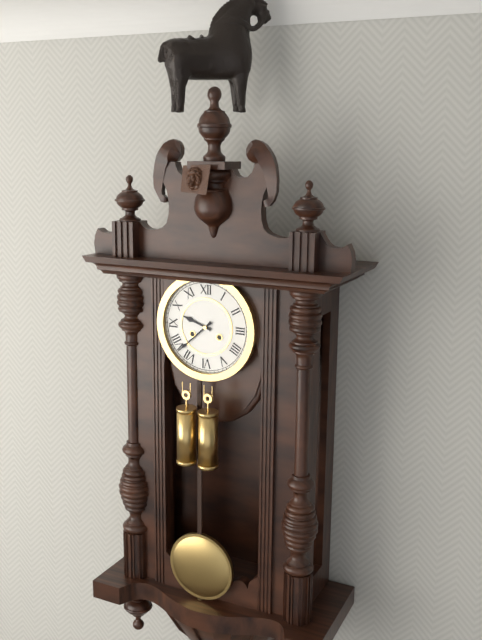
9.38
